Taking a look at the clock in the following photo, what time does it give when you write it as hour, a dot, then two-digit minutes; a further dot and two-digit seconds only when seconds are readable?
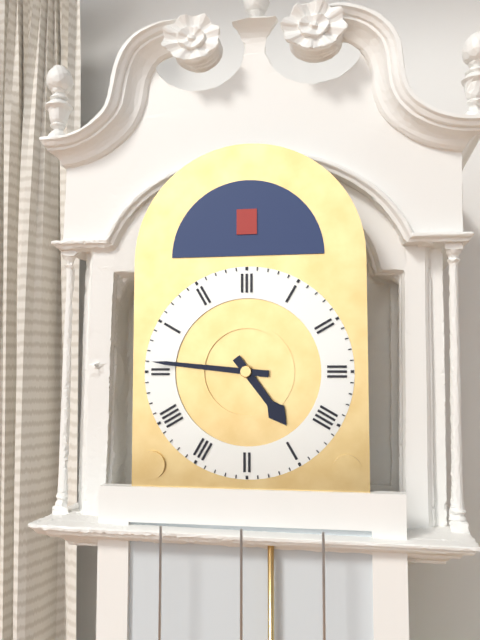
4.46
